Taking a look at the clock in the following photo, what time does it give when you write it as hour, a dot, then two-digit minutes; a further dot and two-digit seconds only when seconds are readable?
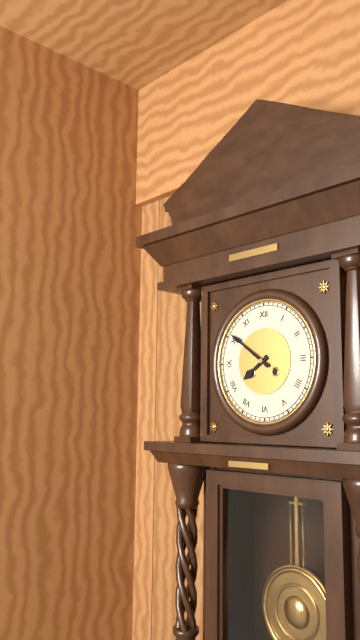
7.51
